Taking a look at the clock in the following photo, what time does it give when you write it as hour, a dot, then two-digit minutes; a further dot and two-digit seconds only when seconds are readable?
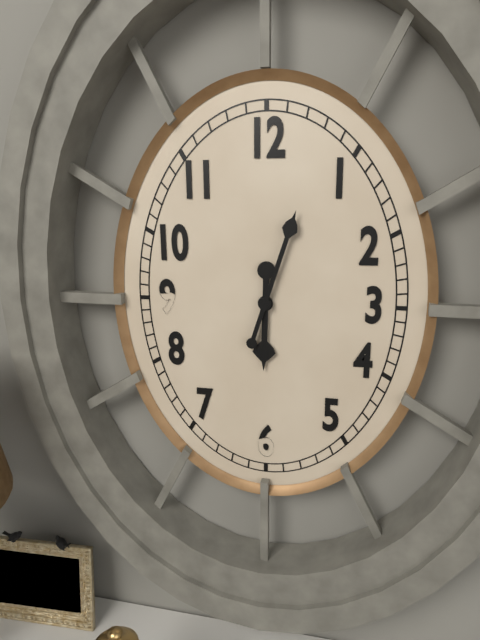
6.03
